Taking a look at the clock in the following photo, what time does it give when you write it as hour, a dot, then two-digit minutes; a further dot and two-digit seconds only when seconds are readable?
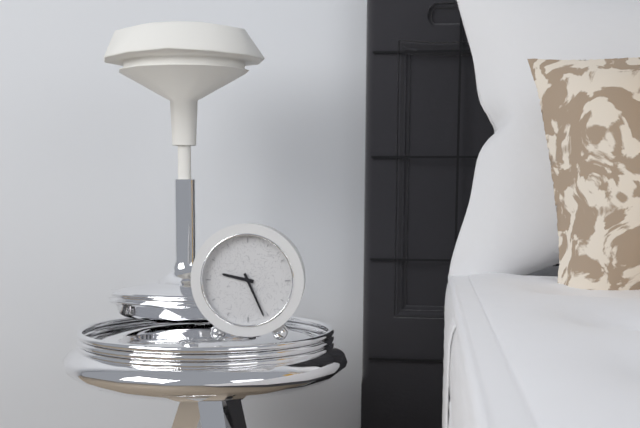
9.26
